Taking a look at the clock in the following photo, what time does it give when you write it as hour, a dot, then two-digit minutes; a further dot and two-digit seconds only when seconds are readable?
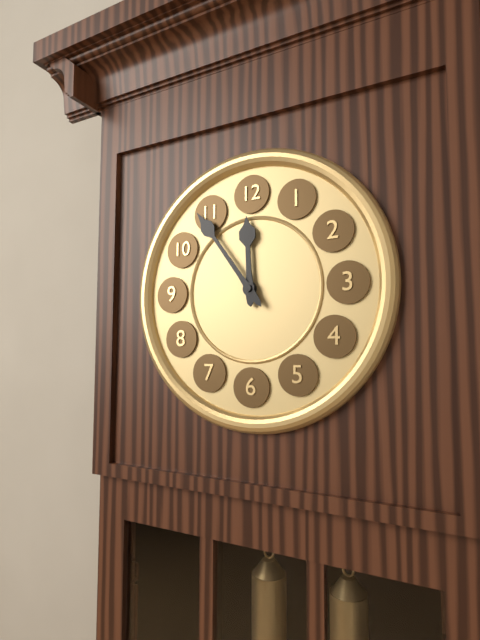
11.54
